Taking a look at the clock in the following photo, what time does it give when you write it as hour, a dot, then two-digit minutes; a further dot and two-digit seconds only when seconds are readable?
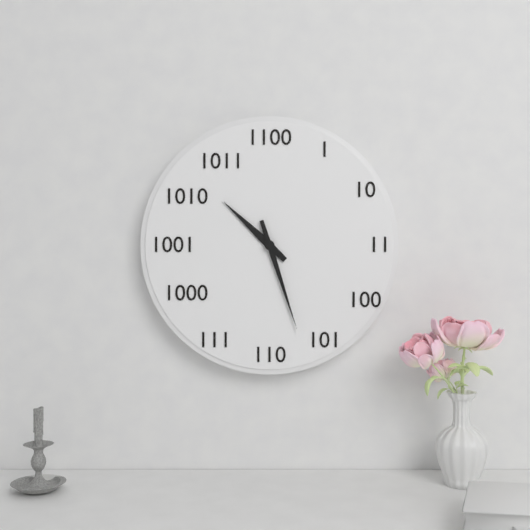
10.27
